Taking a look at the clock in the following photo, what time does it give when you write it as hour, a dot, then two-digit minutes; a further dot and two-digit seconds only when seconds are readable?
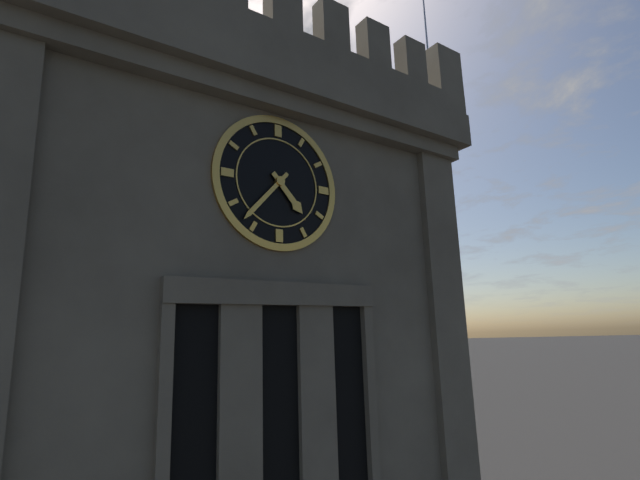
4.37
